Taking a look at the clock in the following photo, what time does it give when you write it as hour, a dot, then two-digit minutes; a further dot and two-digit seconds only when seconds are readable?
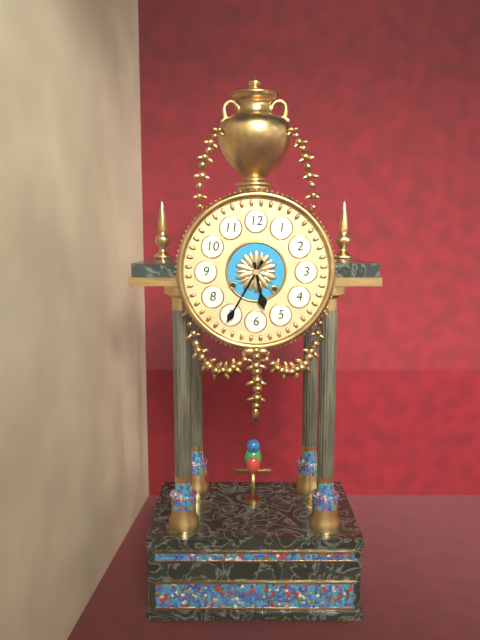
5.35
